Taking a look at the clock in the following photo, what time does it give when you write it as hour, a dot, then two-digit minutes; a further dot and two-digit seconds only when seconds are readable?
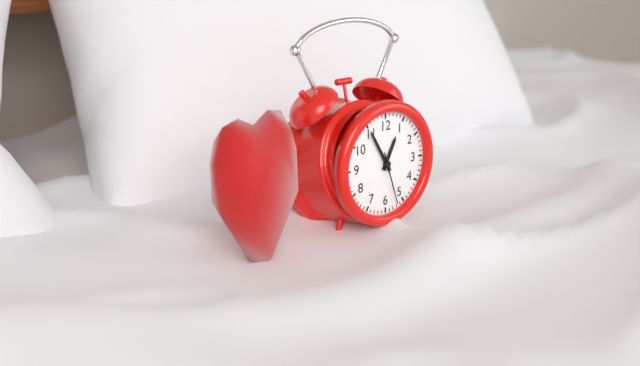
12.55.27
